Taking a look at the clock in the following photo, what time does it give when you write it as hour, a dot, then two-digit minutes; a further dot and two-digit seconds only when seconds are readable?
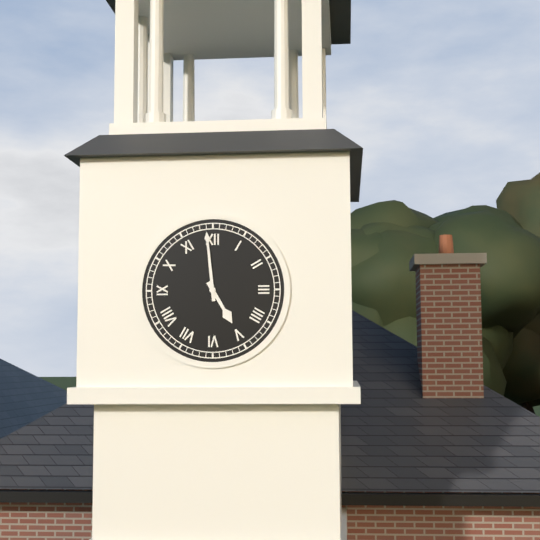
4.59
